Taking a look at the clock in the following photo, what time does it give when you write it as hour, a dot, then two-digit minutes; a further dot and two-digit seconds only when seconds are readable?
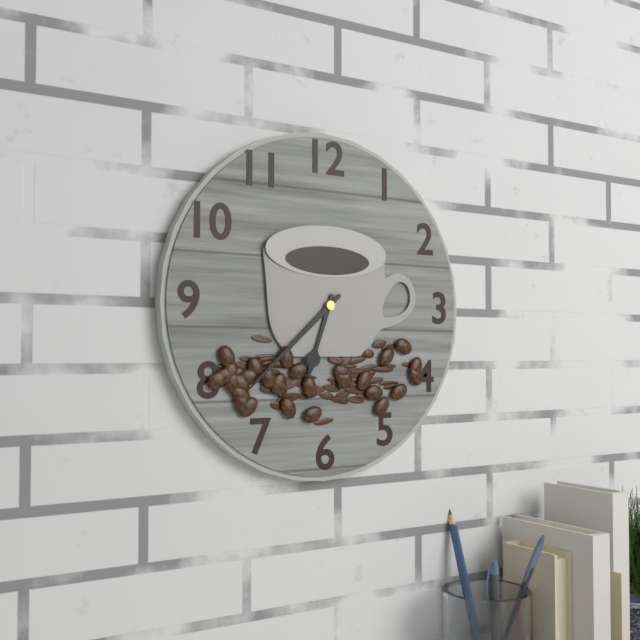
6.38
